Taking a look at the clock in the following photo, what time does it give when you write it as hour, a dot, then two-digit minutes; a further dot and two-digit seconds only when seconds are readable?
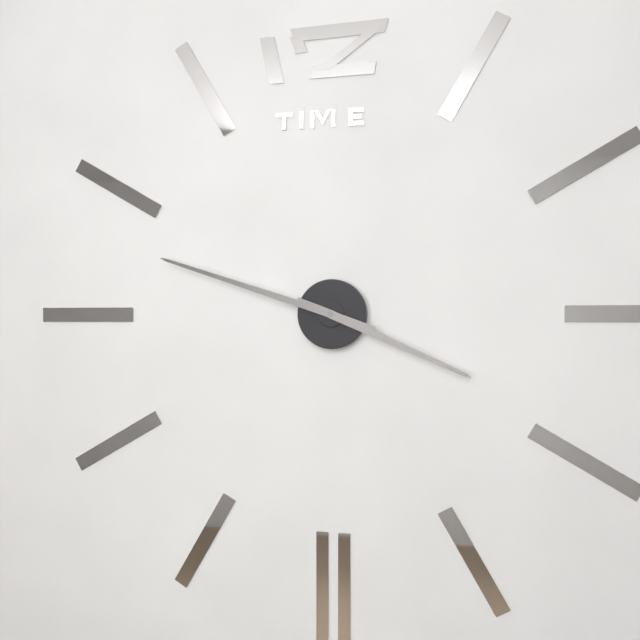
3.48
